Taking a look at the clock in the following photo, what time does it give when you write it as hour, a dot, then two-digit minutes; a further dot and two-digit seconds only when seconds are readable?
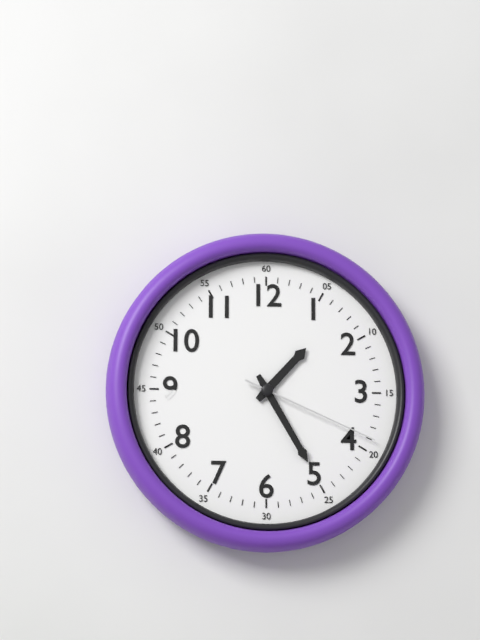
1.25.19
